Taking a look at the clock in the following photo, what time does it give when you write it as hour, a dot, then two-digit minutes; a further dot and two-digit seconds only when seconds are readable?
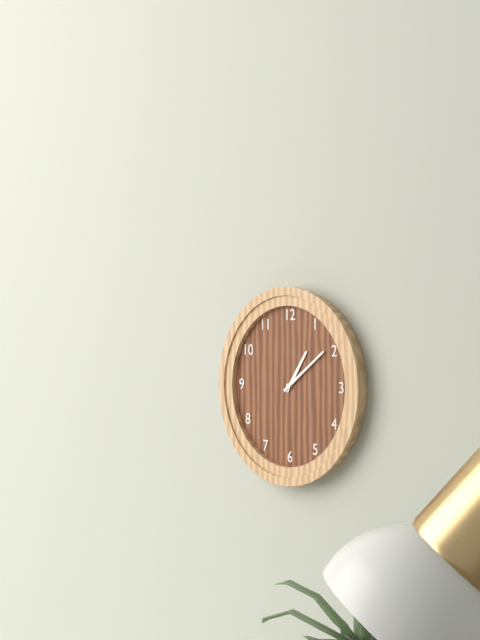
1.09
